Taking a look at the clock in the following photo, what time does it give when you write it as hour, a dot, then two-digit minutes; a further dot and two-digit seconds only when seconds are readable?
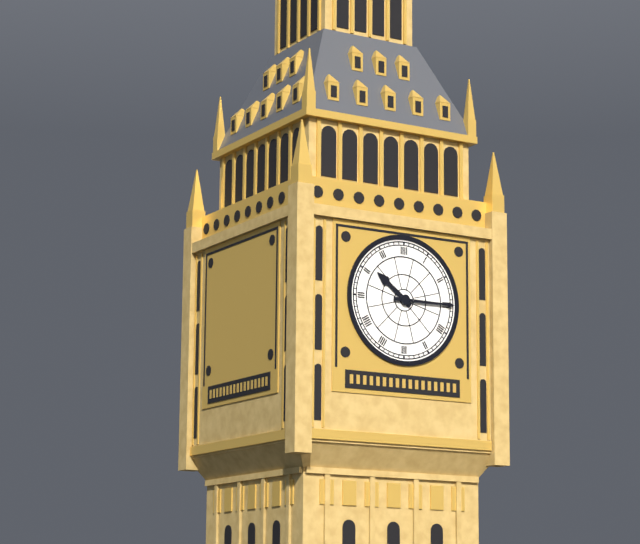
10.15
